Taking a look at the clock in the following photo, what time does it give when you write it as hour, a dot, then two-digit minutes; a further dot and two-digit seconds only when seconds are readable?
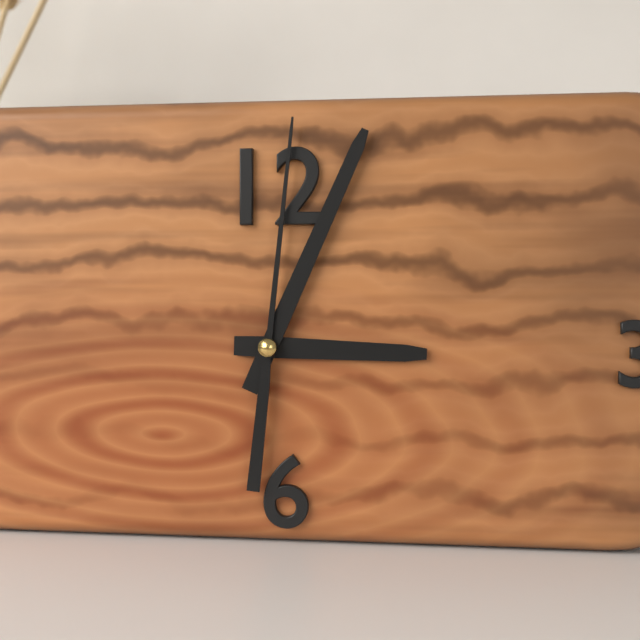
3.04.01
